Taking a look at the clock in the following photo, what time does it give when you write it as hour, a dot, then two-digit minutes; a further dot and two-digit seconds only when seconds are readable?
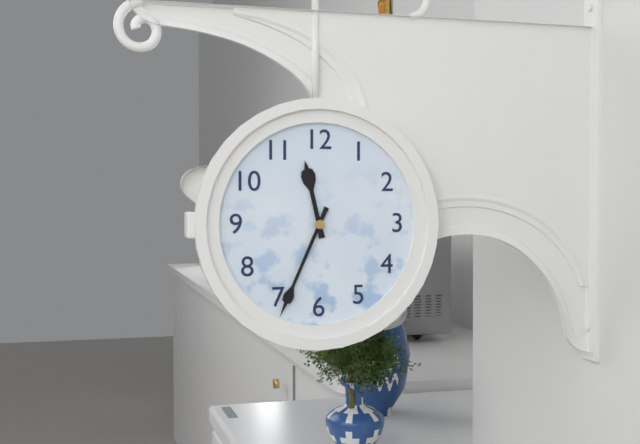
11.34
